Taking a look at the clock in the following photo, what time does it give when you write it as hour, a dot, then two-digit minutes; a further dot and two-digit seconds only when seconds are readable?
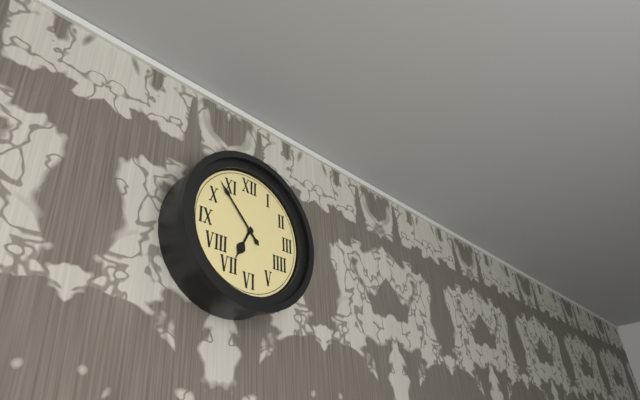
6.53
